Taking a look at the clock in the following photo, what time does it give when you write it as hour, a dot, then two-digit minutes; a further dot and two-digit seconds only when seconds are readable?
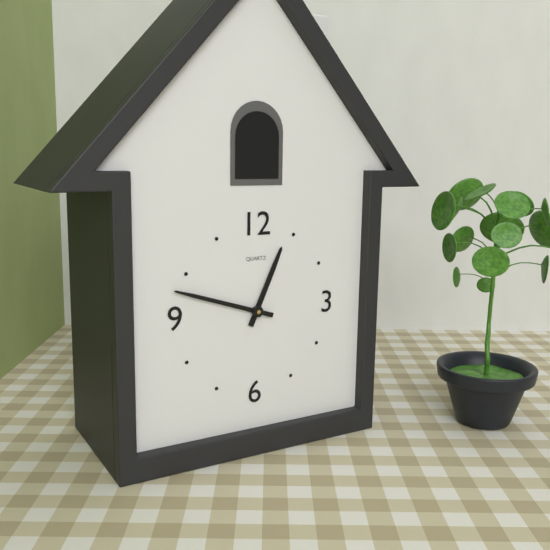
12.48
